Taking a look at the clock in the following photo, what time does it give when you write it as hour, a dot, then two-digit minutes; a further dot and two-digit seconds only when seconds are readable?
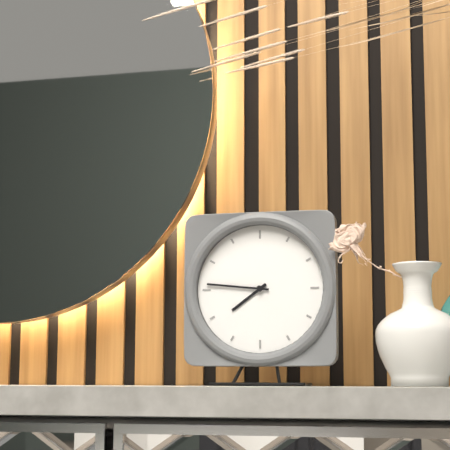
7.46
